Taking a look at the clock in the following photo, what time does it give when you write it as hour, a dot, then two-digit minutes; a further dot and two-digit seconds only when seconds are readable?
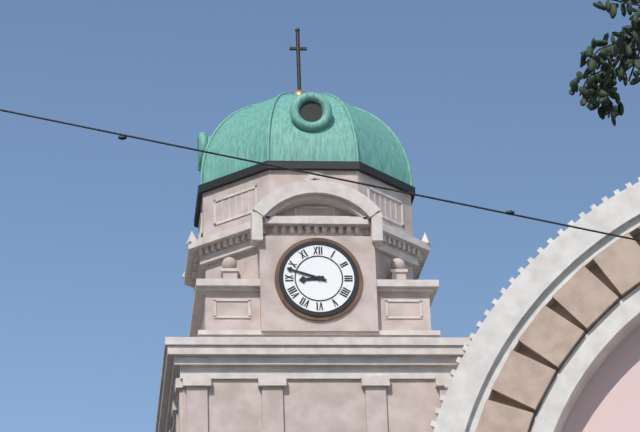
8.48
